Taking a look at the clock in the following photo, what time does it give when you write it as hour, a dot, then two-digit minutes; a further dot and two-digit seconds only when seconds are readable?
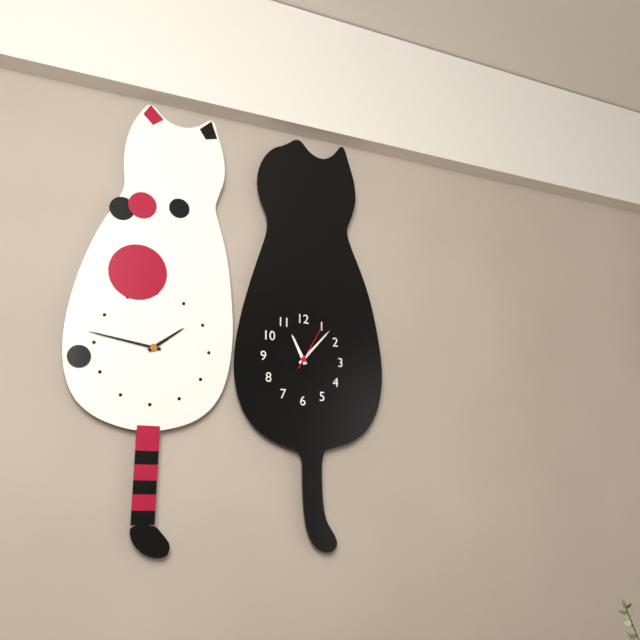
11.07.05
